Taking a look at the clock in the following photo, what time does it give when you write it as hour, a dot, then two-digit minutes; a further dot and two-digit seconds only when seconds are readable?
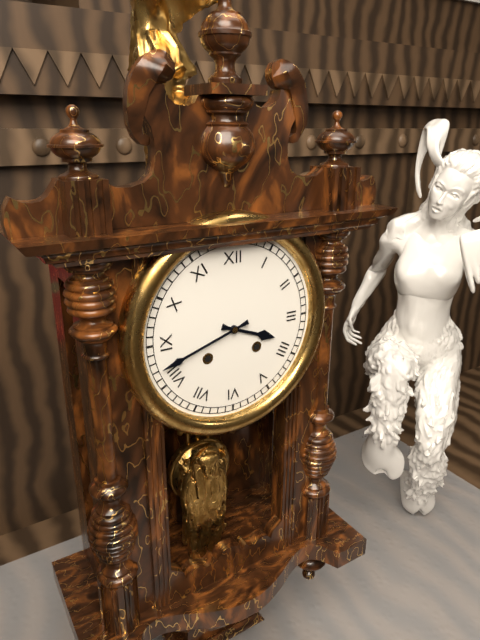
3.42
